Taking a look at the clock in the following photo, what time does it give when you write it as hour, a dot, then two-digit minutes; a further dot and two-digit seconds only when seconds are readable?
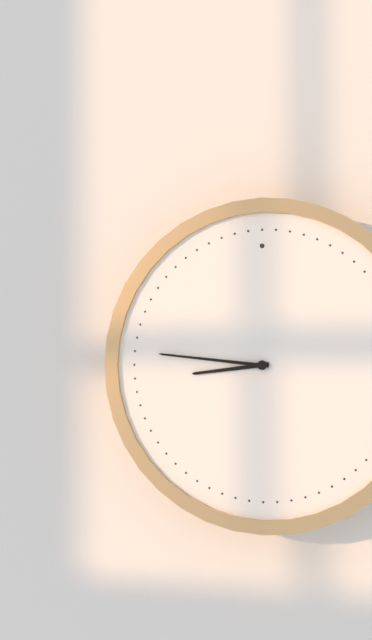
8.46
